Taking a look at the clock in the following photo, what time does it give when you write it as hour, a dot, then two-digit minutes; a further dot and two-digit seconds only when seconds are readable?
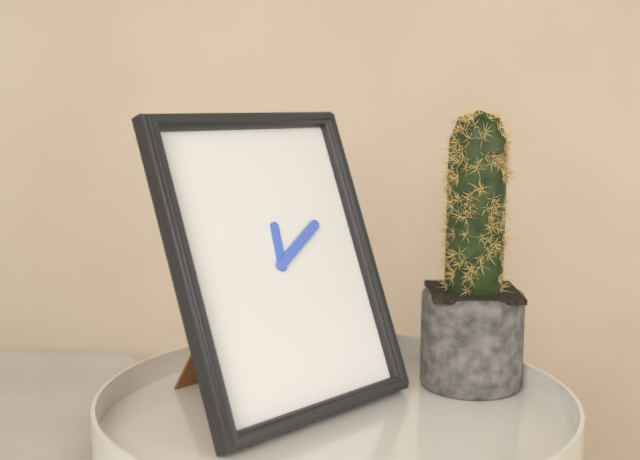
12.10
